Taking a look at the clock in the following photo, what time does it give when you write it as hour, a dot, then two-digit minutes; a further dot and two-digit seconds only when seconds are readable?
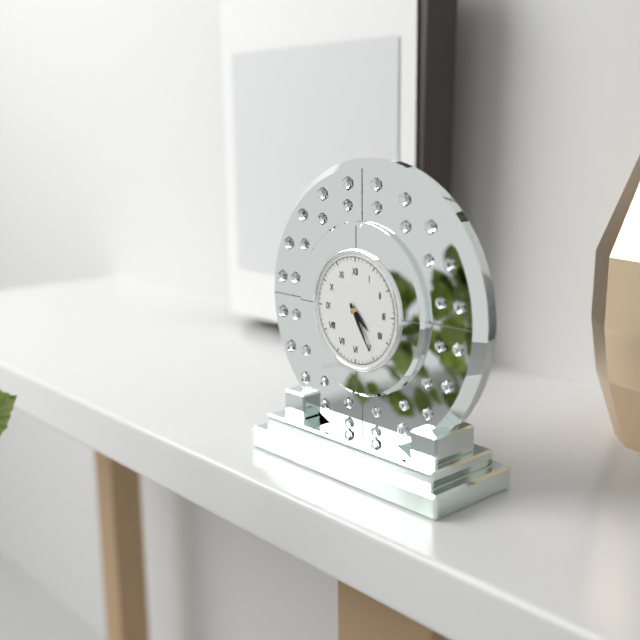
4.25
